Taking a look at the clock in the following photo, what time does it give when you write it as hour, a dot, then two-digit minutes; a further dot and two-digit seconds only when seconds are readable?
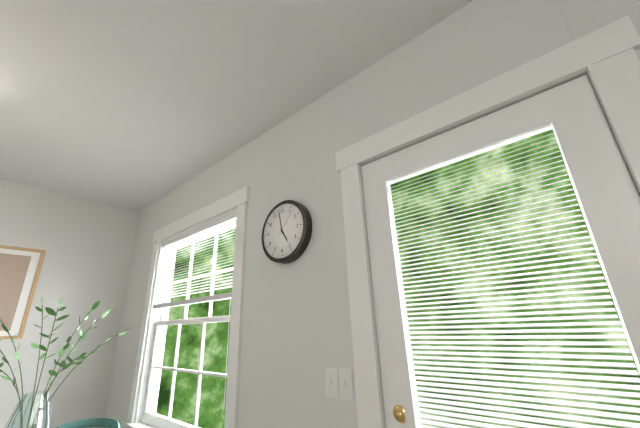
4.58
